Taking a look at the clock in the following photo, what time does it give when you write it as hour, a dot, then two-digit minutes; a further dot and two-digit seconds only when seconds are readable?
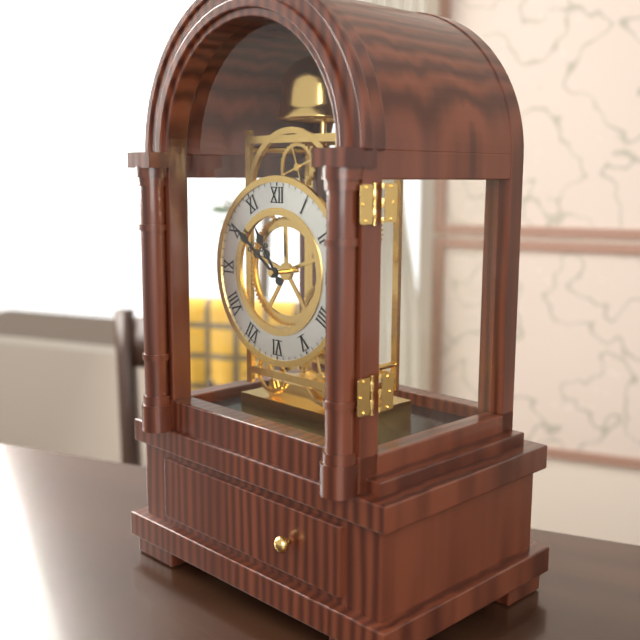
10.51
